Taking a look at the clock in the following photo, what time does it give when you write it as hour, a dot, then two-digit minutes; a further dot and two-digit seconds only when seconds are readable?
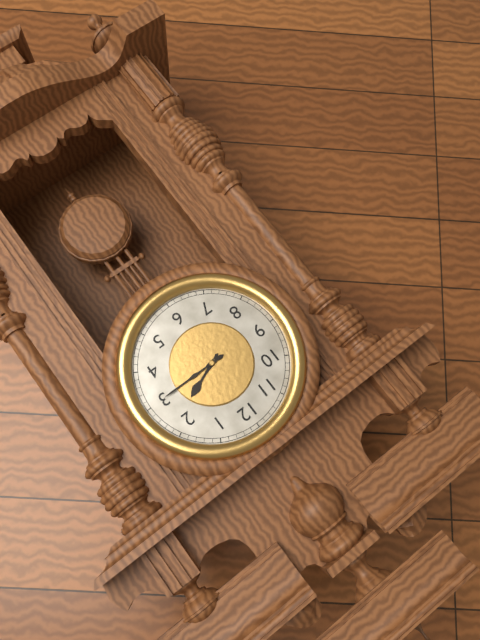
2.15
